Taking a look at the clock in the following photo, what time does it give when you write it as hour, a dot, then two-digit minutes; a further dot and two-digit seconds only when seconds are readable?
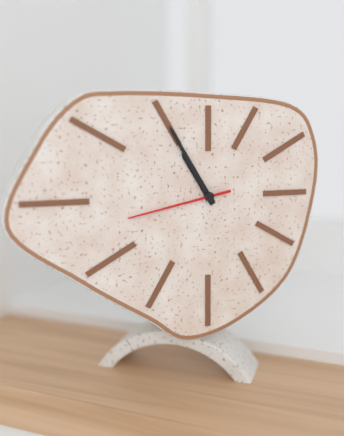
10.55.43
